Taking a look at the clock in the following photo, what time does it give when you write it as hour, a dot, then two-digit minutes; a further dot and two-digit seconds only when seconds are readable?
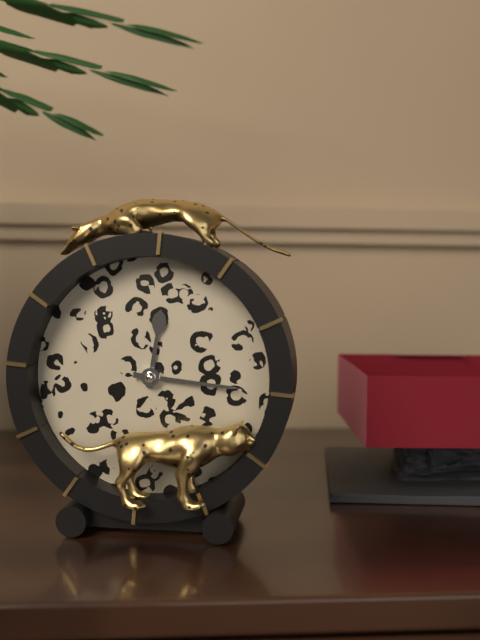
12.16
